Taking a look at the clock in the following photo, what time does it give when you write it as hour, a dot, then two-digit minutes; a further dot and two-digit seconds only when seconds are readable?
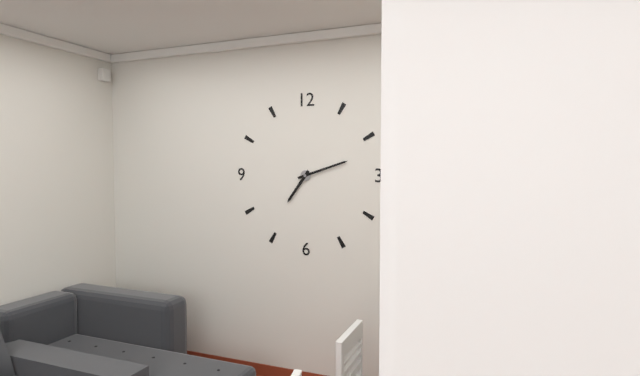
7.12
